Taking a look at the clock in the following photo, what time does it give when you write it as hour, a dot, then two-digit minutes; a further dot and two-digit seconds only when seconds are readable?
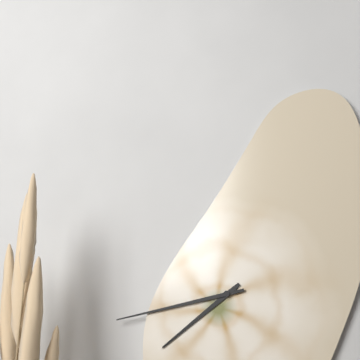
7.43
